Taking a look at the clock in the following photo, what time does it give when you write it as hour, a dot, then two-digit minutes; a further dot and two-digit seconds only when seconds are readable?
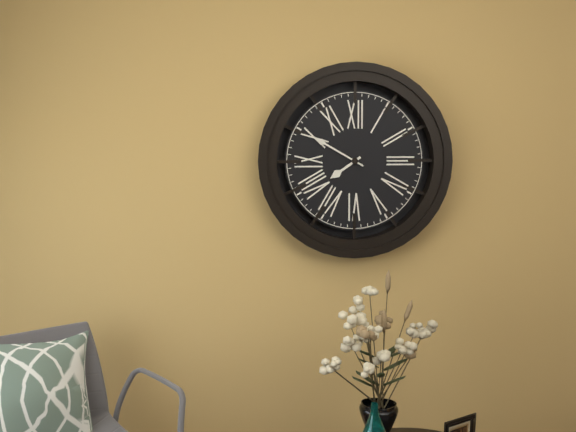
7.50
